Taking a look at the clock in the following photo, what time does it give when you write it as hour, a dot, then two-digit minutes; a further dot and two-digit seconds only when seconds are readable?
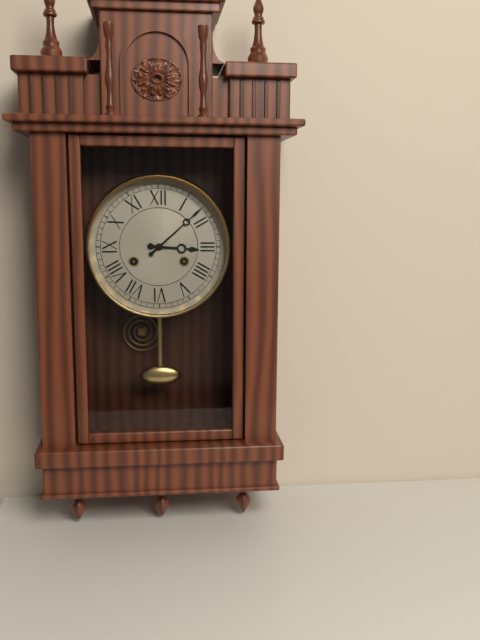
3.08
